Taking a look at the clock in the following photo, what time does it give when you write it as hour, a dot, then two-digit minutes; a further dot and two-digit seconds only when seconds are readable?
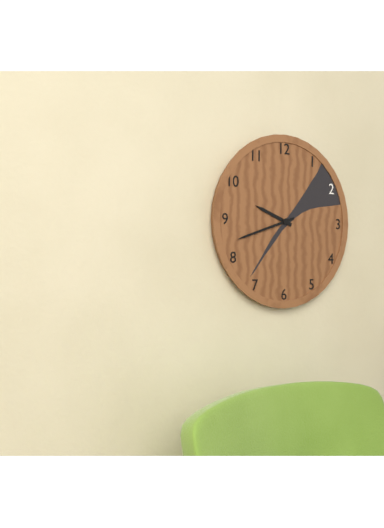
9.42
